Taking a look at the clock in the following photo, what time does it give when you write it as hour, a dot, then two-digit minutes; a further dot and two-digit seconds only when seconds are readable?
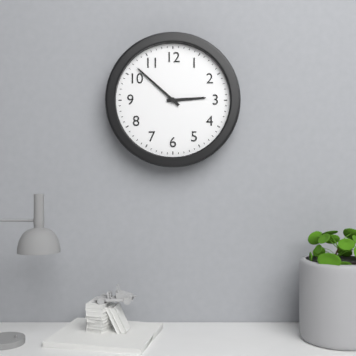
2.52
